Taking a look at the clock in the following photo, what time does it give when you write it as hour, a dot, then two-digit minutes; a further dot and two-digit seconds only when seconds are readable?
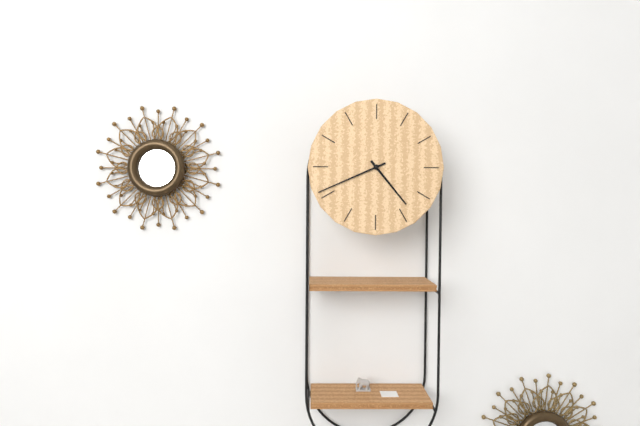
4.41
